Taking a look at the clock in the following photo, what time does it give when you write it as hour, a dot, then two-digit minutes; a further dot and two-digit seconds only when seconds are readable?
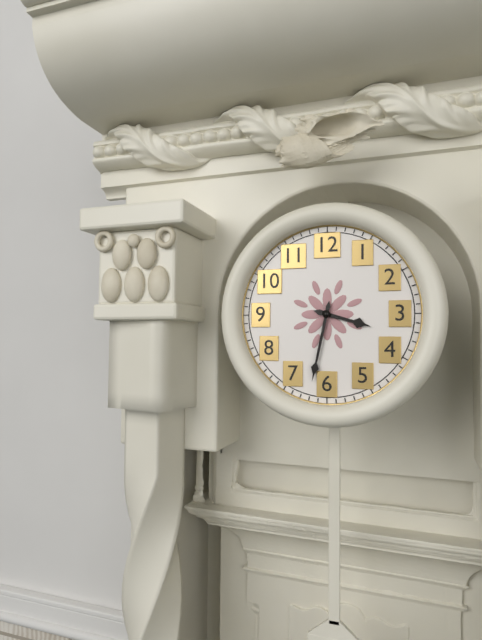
3.32
